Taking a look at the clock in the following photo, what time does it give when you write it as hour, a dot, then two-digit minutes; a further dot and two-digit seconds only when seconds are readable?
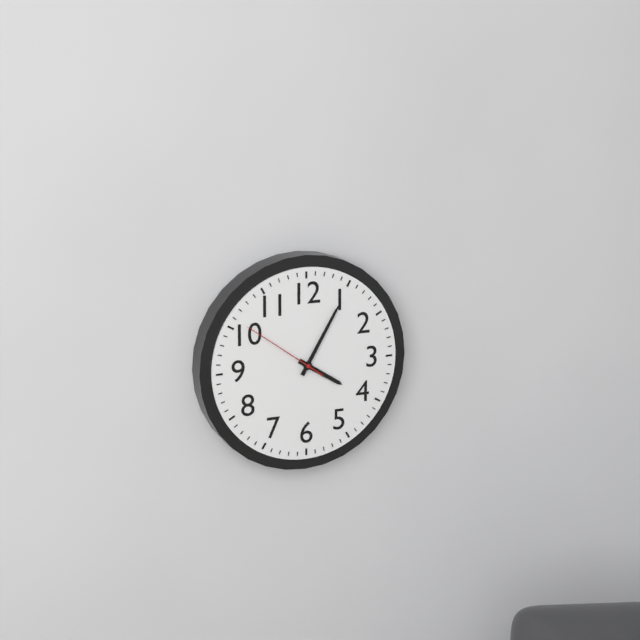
4.05.51
